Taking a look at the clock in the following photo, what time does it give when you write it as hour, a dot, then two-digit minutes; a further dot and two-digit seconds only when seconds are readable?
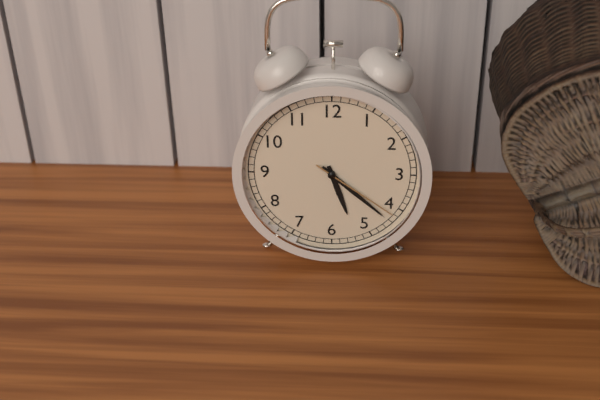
5.22.21
